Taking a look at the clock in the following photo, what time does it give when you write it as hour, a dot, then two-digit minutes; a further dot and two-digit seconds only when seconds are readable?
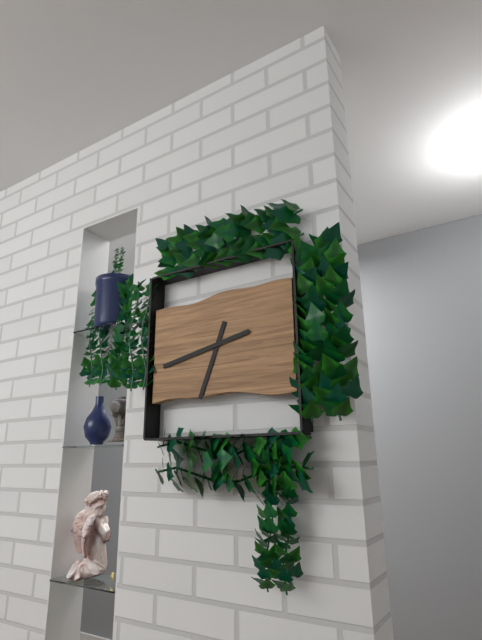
6.43
